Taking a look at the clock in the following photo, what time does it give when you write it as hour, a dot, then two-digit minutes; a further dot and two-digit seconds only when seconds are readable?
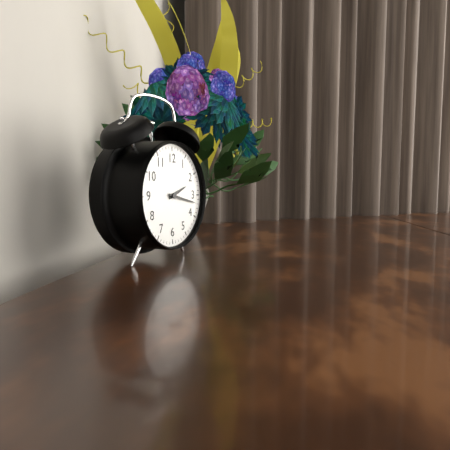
2.17
